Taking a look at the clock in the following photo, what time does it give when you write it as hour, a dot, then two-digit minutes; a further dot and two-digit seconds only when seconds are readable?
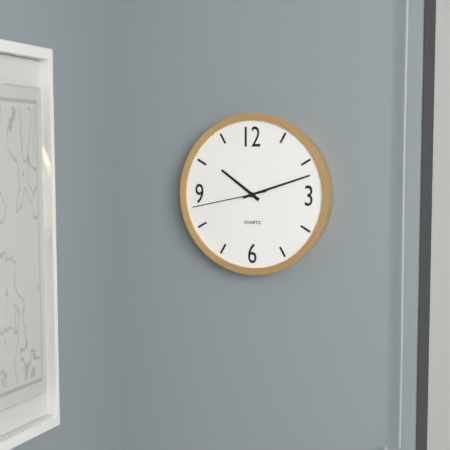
10.12.43
